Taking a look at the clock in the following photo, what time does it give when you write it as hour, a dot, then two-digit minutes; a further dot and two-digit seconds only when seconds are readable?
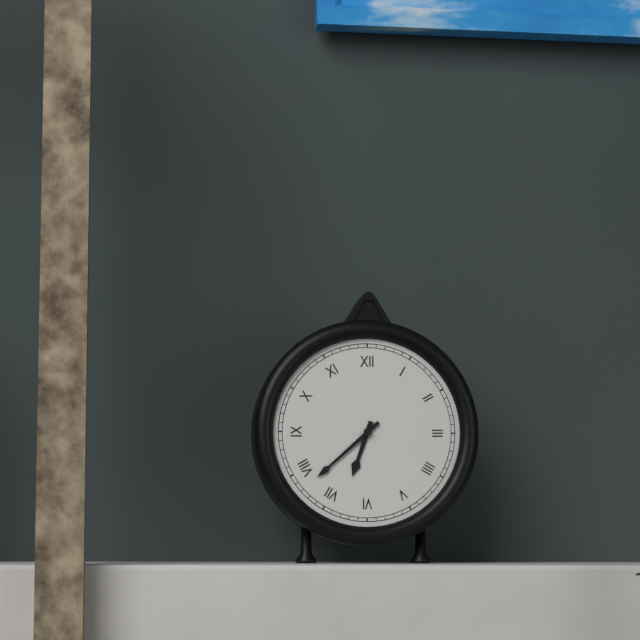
6.38
